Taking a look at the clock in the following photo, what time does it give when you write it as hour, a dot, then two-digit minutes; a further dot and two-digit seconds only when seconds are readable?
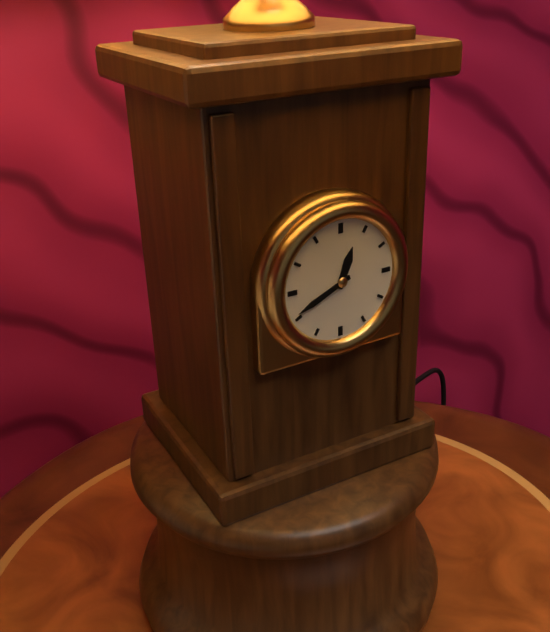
12.41
